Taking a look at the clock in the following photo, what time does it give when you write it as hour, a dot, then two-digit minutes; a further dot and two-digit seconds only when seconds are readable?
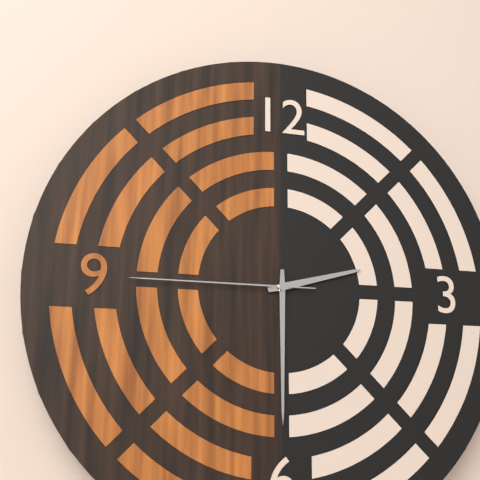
2.30.45
